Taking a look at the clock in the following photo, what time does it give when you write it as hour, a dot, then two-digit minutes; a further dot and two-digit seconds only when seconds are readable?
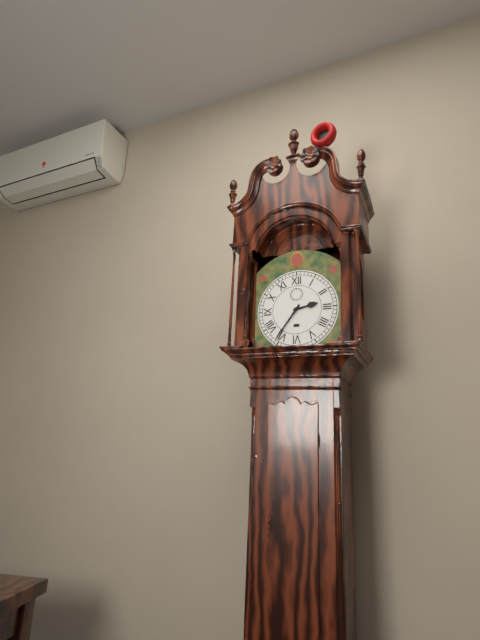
2.36
